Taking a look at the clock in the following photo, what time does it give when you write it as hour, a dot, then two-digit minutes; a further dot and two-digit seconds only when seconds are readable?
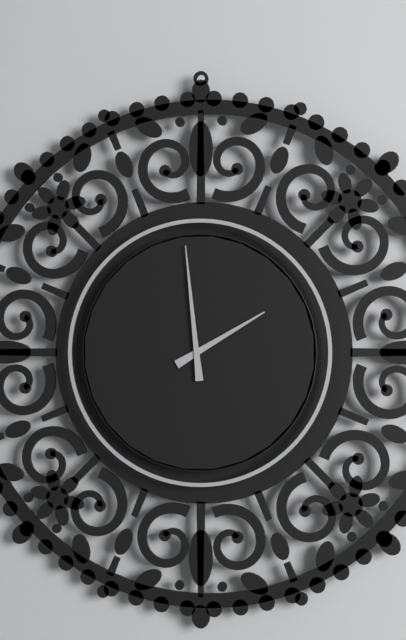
1.59
